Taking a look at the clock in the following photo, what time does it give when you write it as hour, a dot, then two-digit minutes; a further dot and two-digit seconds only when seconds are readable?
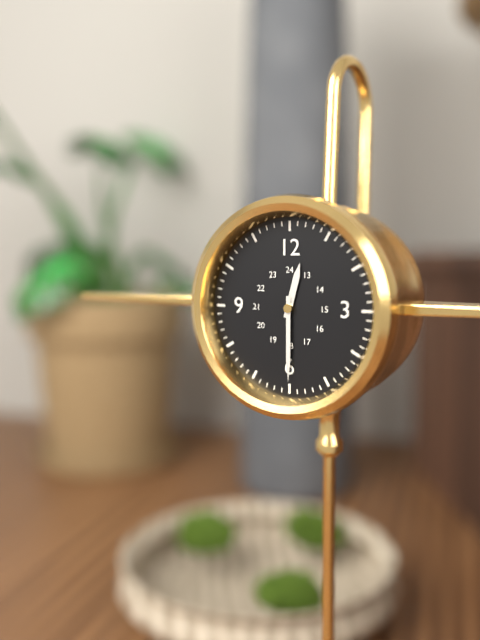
12.30
